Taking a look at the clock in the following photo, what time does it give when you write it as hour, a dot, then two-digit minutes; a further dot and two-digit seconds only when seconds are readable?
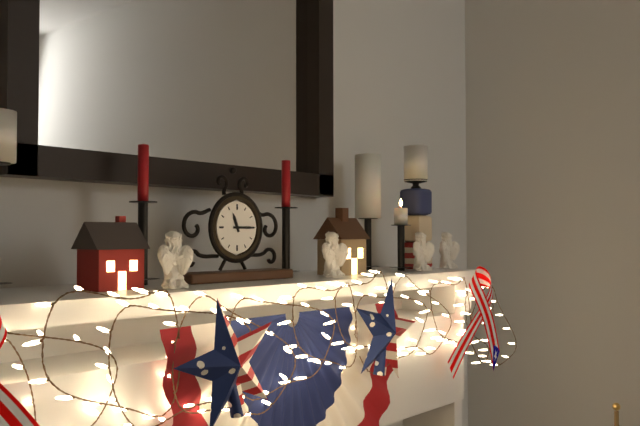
11.15
